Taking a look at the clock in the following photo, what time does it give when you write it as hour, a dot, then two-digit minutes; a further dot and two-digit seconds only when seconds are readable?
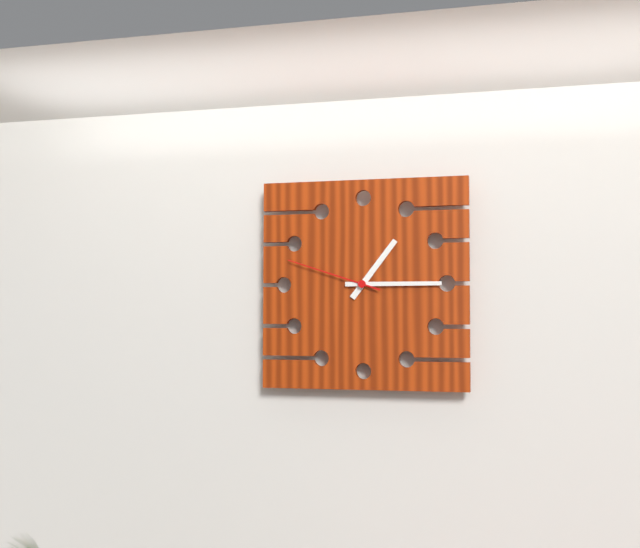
1.15.48
